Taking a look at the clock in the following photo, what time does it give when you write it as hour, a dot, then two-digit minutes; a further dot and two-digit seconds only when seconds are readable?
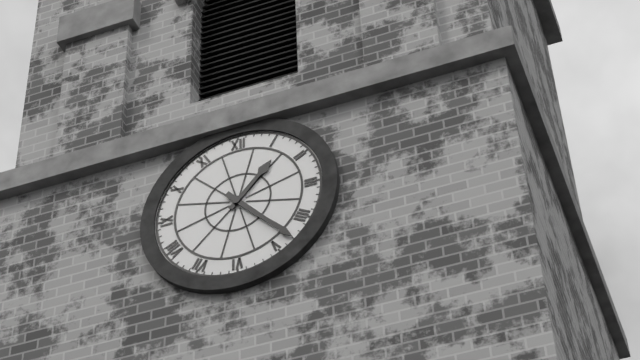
1.23
